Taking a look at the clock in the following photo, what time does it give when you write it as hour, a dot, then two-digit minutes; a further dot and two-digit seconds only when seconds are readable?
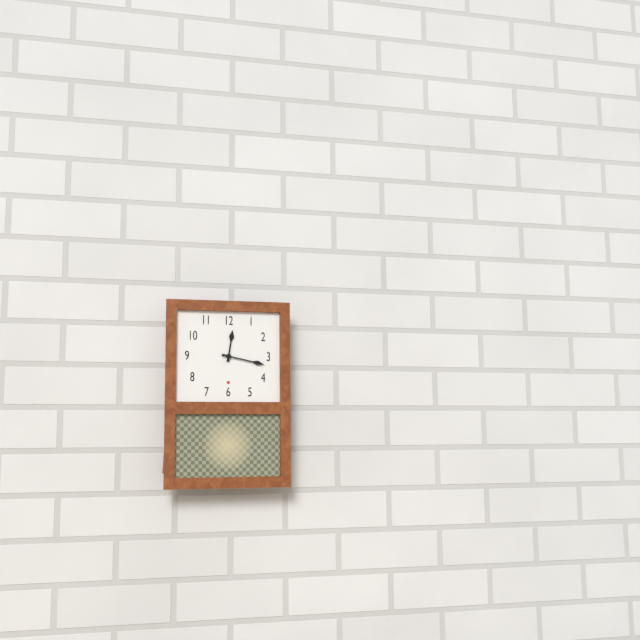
12.17
